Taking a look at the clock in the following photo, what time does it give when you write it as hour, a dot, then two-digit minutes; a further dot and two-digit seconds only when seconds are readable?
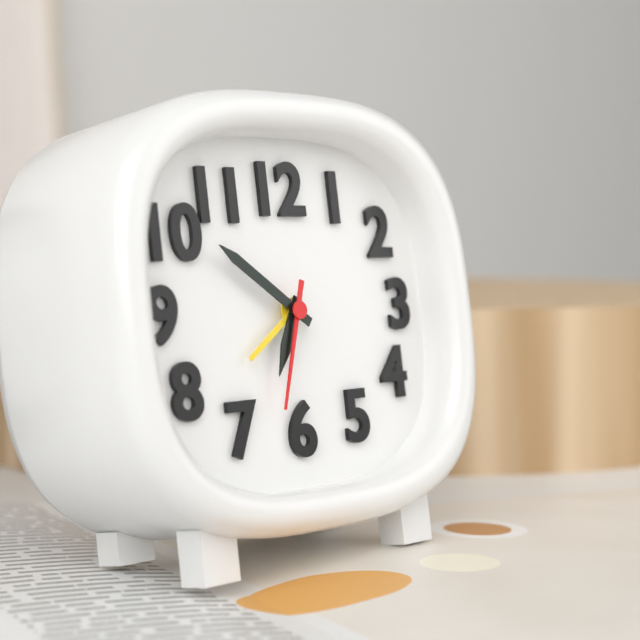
6.51.33
